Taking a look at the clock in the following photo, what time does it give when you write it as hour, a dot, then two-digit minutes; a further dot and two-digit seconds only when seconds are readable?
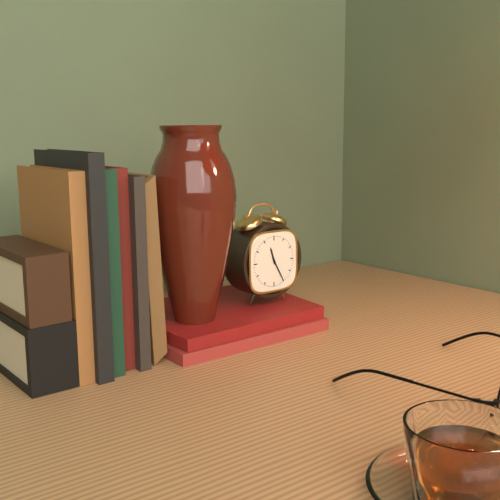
11.25
